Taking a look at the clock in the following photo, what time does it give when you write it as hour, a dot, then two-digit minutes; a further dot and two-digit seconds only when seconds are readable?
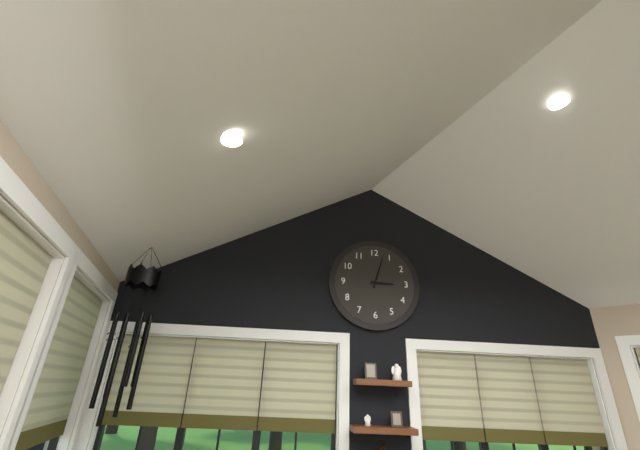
3.03
